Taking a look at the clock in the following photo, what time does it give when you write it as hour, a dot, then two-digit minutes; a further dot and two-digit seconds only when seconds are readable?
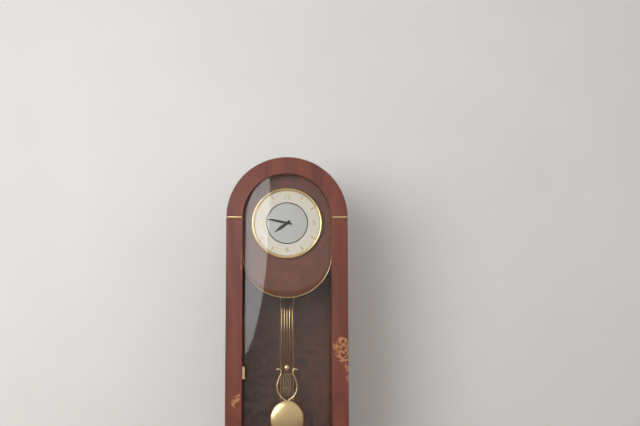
7.47
